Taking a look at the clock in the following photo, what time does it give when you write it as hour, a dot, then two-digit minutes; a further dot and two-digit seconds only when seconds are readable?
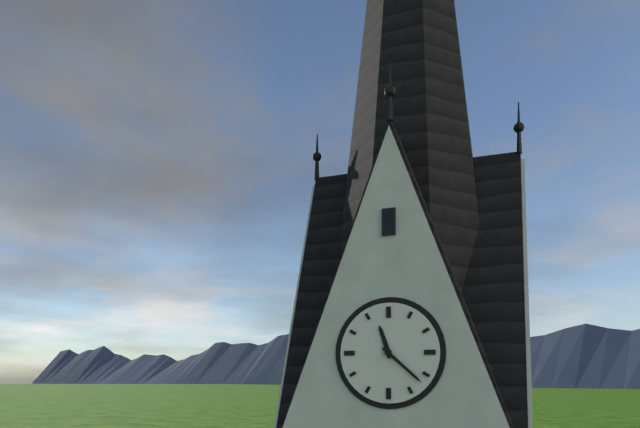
11.22
